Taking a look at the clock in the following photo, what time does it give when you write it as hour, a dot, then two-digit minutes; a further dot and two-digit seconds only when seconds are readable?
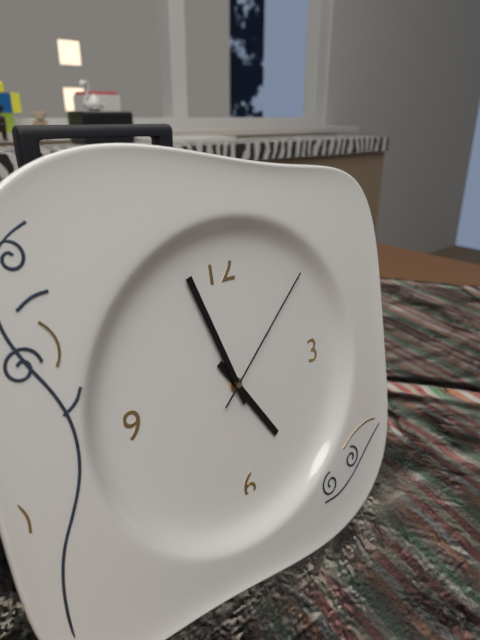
4.57.08
